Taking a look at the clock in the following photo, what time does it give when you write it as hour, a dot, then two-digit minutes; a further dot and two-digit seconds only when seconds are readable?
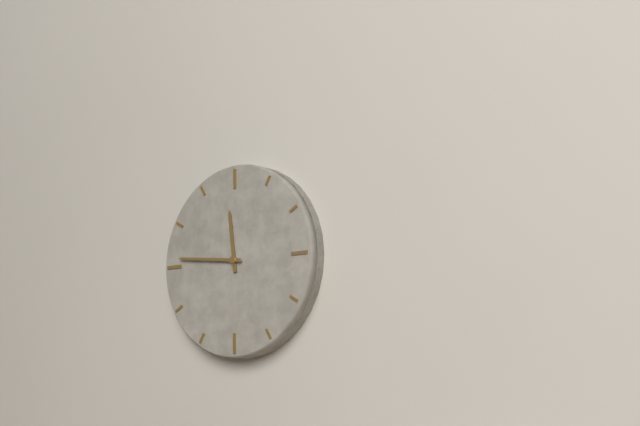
11.46
